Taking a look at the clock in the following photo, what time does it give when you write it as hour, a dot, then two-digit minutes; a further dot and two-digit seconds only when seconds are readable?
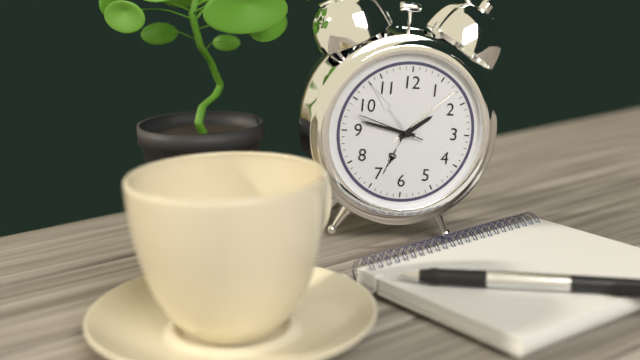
1.47.48
